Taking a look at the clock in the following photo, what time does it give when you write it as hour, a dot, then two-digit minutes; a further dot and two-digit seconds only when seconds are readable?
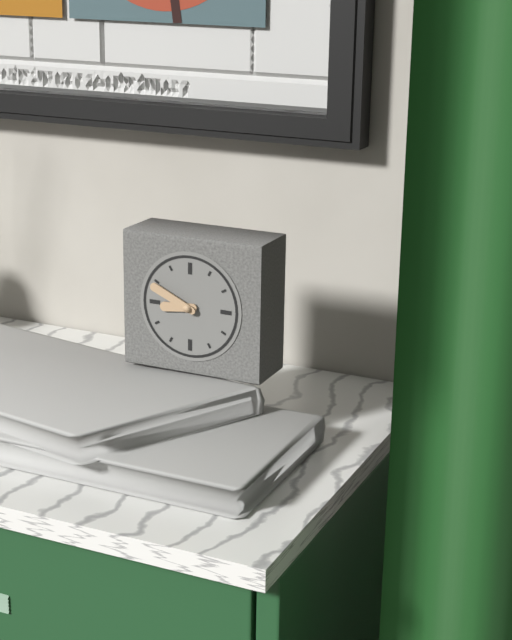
8.49
